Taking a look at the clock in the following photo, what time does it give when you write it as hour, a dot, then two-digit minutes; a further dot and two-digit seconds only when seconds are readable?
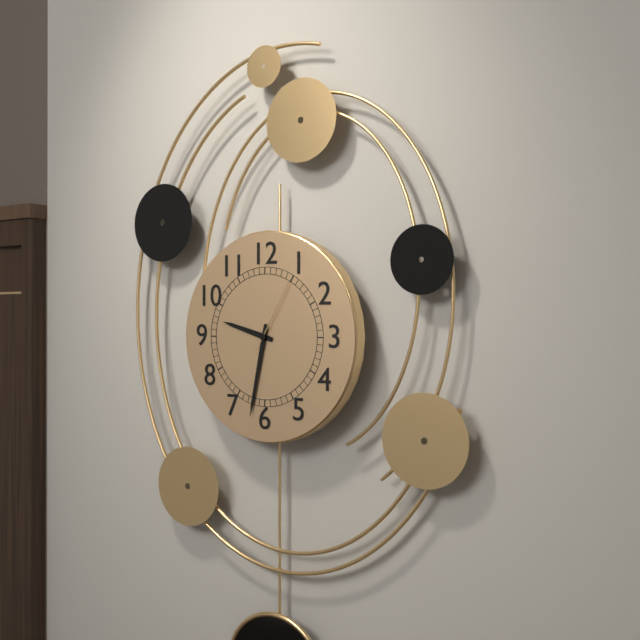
9.32.05
